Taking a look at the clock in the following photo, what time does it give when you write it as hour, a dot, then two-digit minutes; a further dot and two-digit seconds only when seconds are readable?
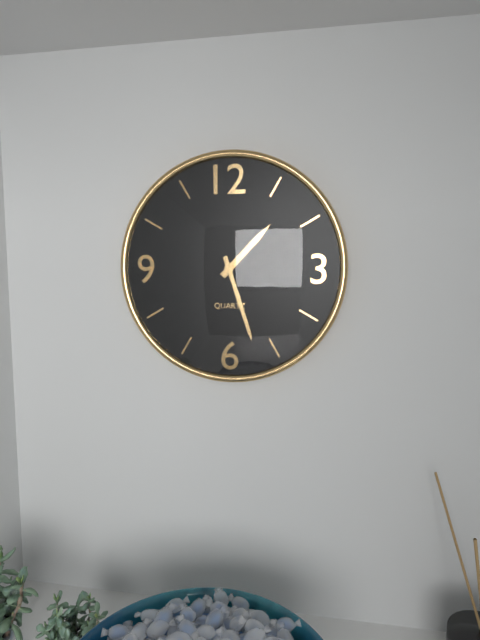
1.27
